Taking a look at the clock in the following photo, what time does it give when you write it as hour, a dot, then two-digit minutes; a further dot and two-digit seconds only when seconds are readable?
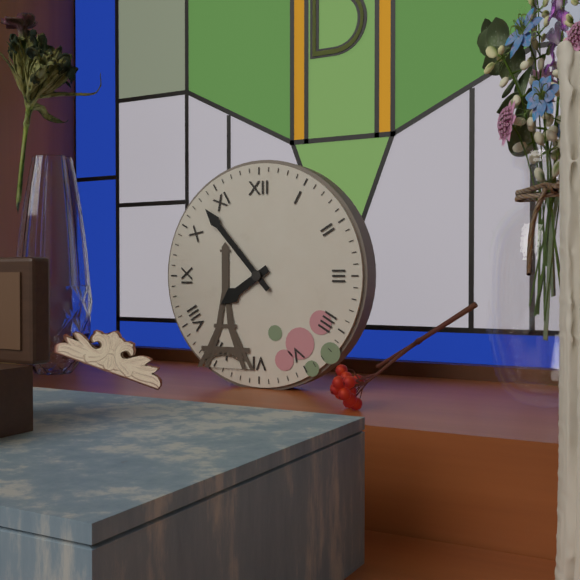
7.53
